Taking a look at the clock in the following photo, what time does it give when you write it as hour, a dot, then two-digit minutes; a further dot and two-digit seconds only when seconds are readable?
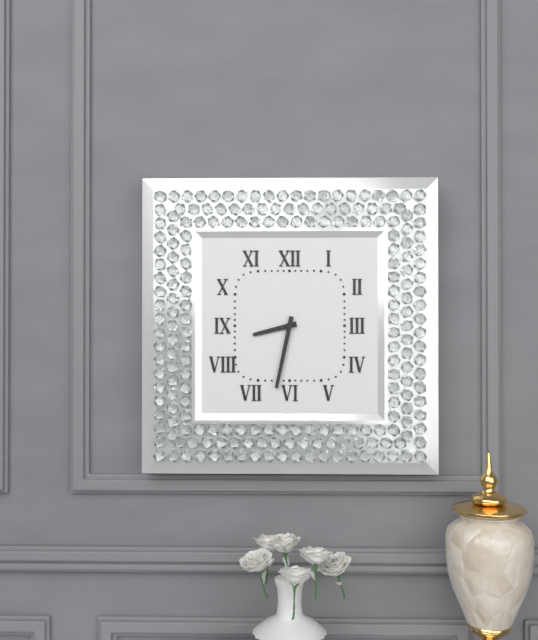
8.32
